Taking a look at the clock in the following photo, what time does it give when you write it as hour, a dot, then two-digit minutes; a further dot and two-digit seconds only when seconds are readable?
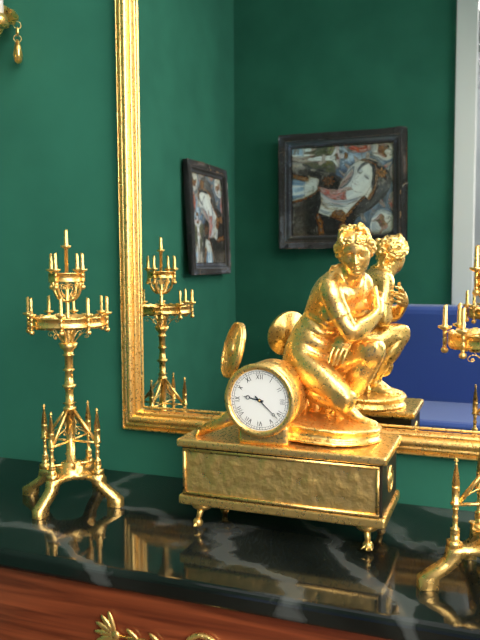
9.22
